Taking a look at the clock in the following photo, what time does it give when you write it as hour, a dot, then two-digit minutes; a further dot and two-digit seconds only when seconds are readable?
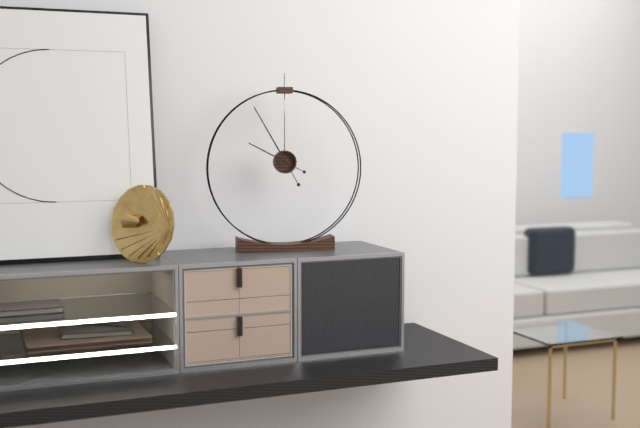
9.55
